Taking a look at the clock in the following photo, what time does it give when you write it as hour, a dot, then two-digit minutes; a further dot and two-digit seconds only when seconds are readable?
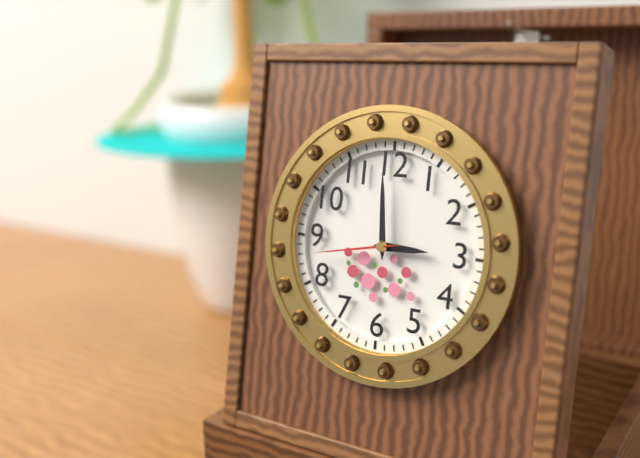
2.59.43
